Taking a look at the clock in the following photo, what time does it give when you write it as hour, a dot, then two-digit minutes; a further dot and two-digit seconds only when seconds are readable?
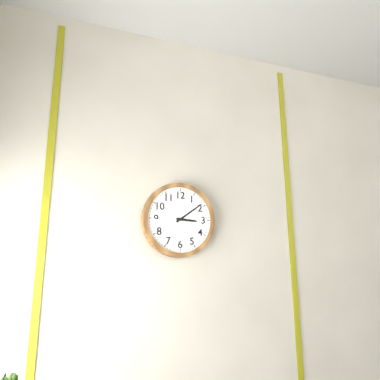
3.09
